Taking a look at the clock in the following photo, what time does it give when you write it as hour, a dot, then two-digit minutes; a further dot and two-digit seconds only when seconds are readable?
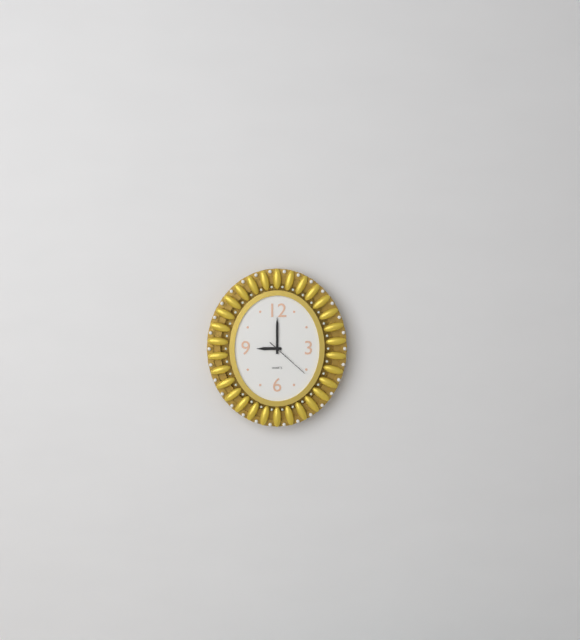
9.00
